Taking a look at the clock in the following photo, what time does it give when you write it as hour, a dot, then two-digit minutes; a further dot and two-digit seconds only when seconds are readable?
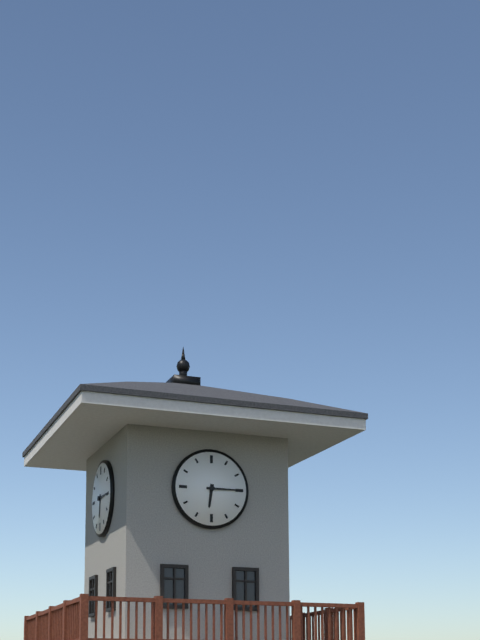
6.15
